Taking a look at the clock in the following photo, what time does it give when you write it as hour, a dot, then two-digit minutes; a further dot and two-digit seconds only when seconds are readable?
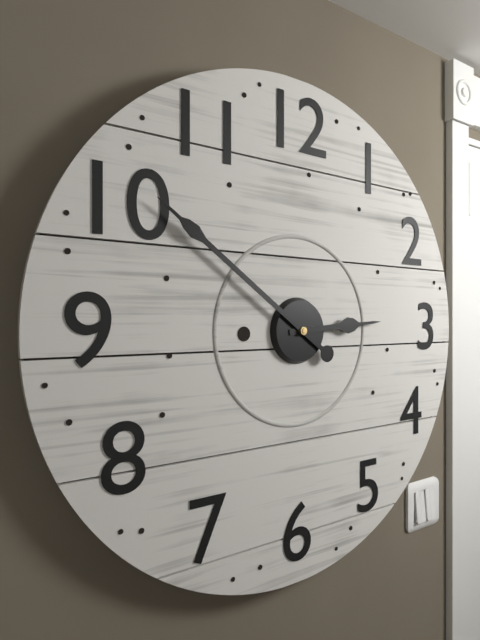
2.51
